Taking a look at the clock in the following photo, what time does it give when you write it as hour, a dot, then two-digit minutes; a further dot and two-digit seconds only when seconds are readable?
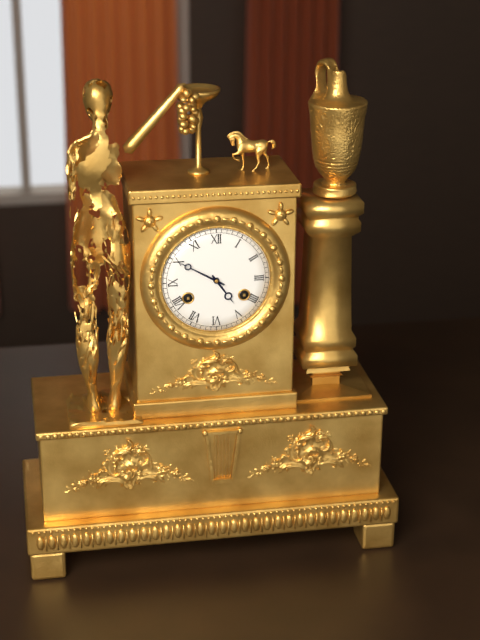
4.50
